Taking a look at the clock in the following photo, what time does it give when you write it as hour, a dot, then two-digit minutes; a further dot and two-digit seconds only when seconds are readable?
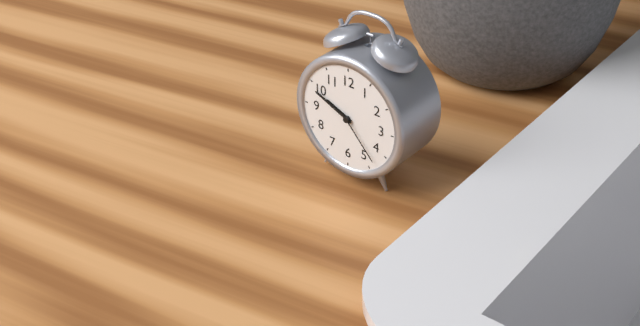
9.49.23
